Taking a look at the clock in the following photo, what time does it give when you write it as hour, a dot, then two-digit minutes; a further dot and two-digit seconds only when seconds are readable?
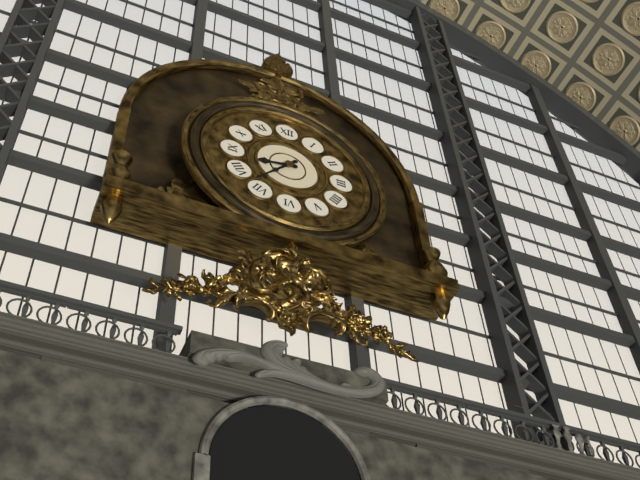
8.37
